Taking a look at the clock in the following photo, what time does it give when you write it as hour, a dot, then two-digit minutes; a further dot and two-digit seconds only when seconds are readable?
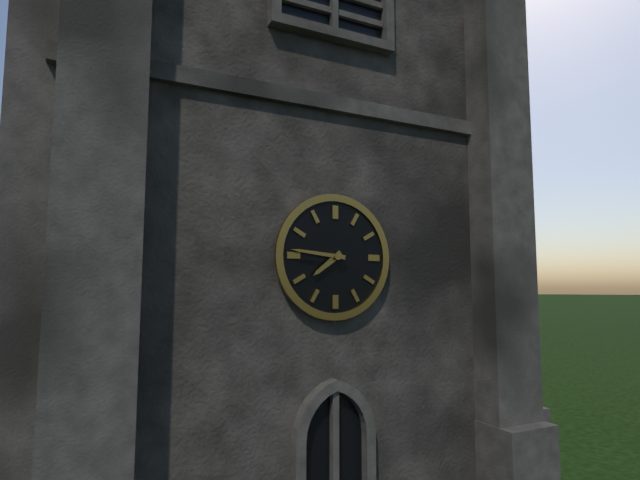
7.46
